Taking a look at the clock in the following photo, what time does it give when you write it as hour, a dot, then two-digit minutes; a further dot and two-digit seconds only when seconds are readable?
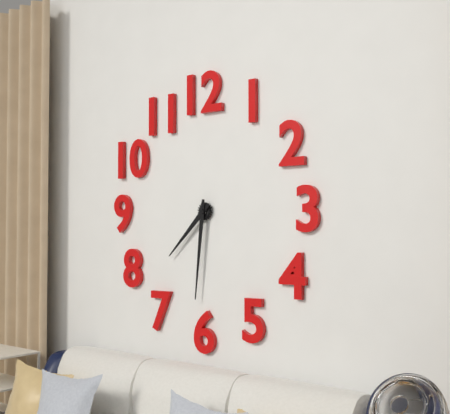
7.31
